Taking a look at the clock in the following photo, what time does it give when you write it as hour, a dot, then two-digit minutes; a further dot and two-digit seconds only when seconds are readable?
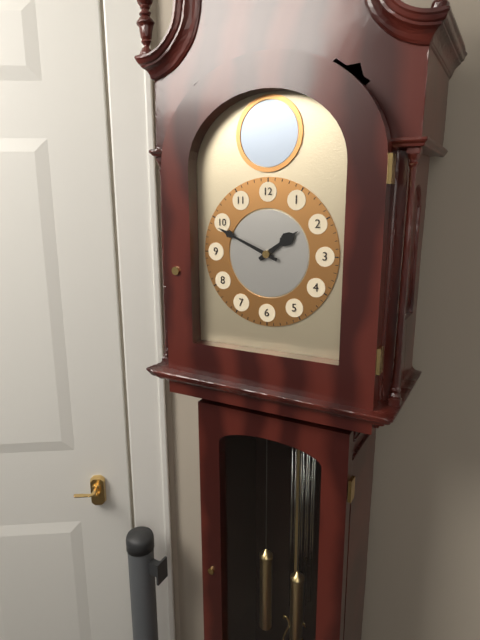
1.49
